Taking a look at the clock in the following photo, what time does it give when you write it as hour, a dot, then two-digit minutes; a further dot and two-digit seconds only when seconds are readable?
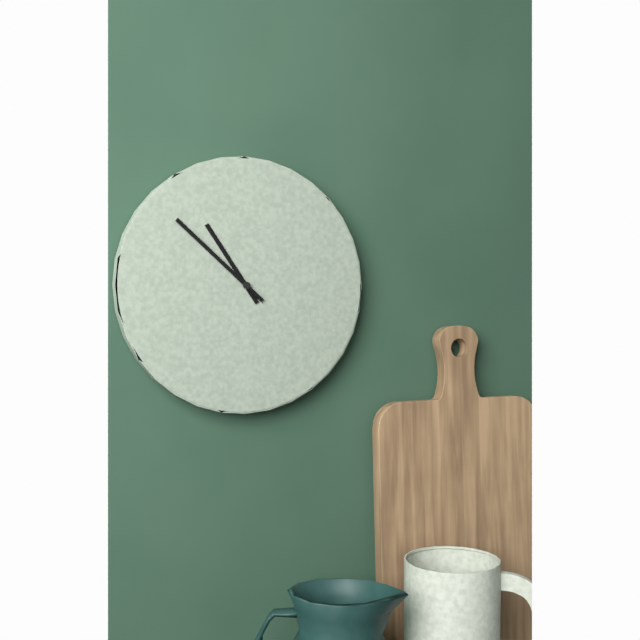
10.52
